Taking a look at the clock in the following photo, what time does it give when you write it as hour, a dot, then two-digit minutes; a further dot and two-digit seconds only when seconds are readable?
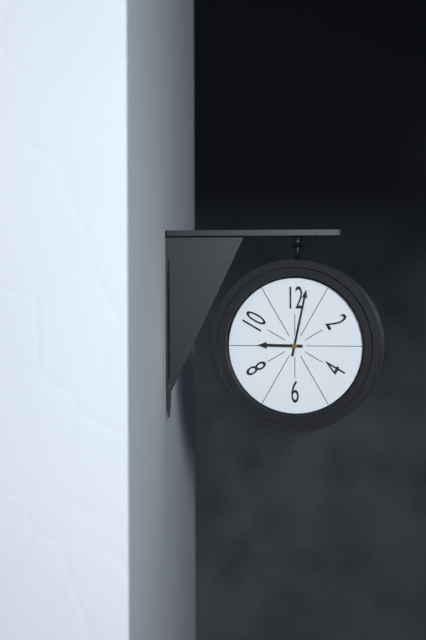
9.02
